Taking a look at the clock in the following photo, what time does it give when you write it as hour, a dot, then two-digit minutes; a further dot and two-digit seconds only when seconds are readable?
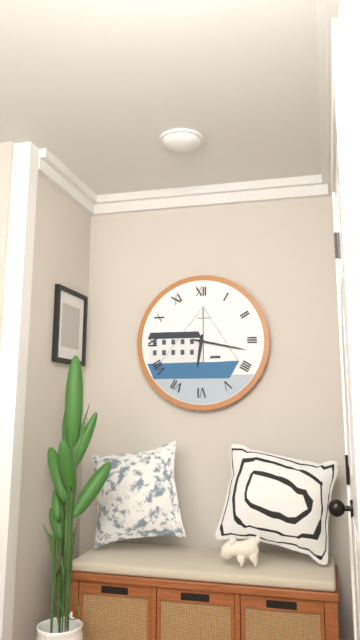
6.17
